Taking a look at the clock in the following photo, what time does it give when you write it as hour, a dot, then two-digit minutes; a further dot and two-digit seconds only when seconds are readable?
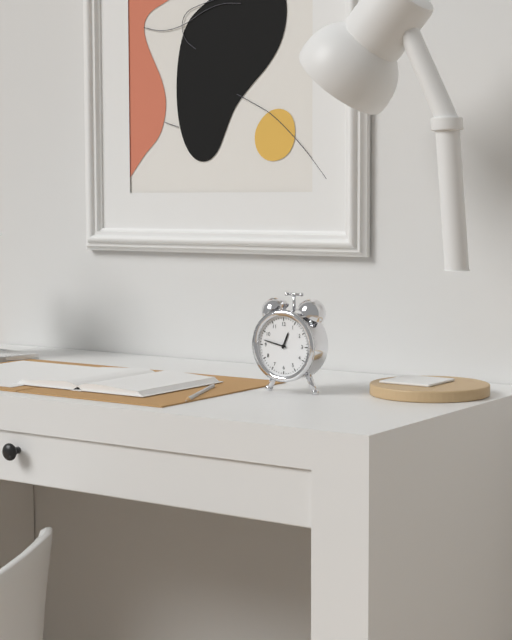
12.47
